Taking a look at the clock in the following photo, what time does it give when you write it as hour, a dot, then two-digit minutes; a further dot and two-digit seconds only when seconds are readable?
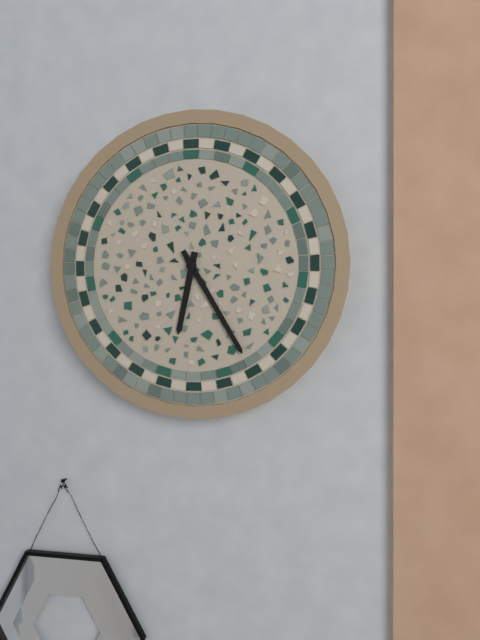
6.25
